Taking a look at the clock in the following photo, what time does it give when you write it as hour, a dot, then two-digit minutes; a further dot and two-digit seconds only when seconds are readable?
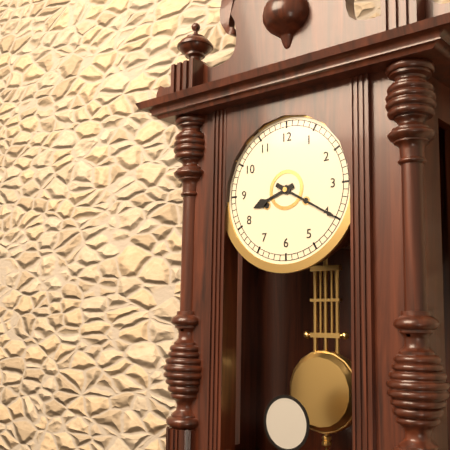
8.20
